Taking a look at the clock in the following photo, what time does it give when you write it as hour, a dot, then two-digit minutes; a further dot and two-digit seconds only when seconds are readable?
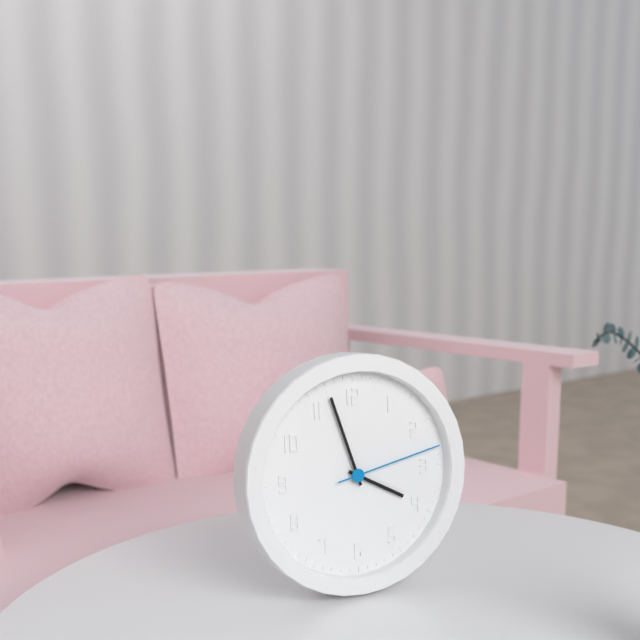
3.57.13
